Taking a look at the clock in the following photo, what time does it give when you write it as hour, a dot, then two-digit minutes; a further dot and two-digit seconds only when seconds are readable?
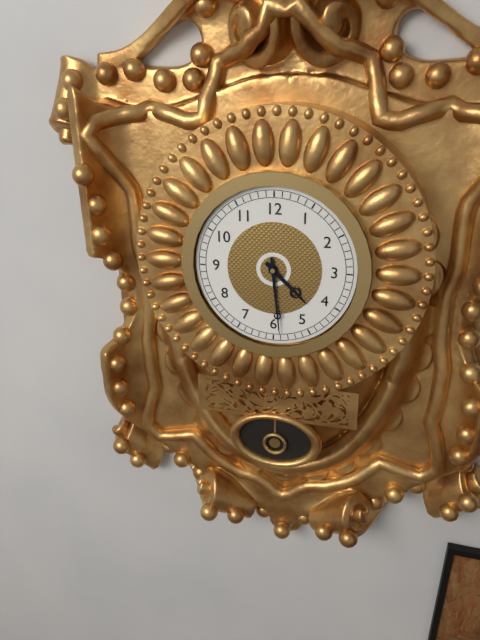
4.29
